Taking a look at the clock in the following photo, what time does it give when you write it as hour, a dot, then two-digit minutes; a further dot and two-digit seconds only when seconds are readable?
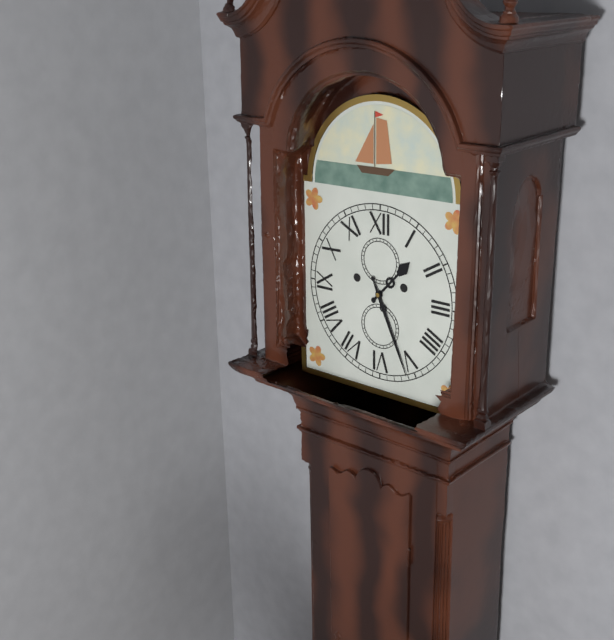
1.26
